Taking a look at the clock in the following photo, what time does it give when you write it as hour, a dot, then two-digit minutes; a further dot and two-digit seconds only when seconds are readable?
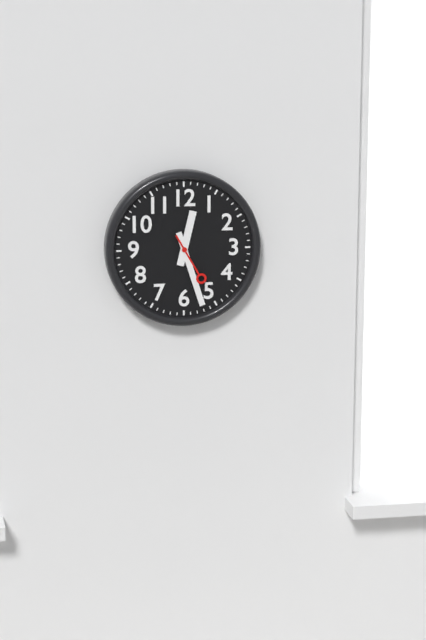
12.27.25
